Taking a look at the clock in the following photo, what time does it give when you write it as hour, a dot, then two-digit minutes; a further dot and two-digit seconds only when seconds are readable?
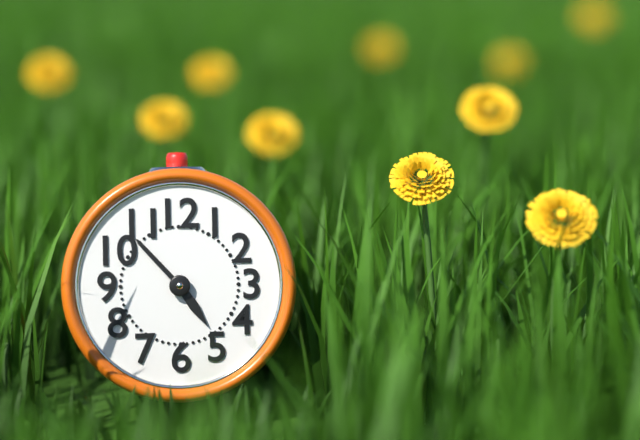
4.53
